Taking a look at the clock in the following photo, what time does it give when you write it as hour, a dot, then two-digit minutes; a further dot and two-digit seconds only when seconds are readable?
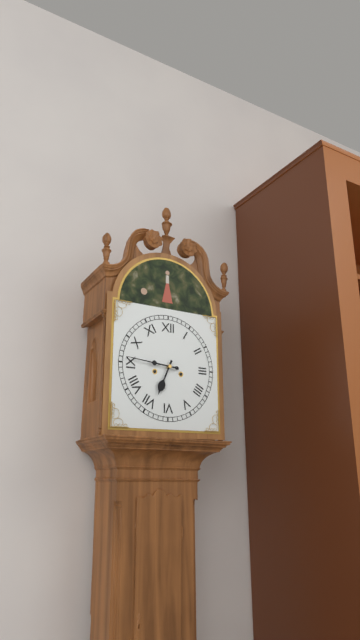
6.46
